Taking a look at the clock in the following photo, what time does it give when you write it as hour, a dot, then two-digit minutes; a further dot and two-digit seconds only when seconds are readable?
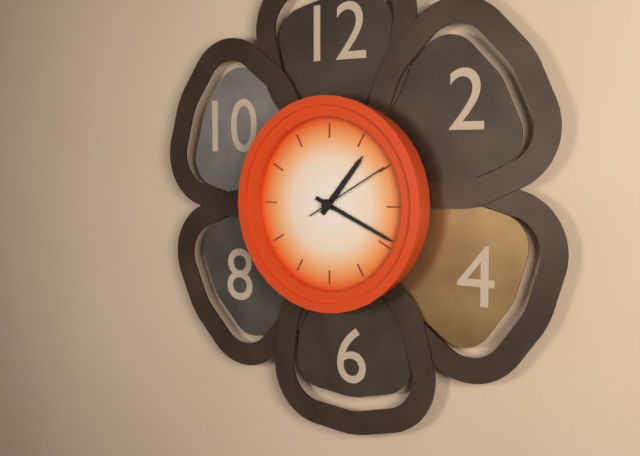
1.19.10
